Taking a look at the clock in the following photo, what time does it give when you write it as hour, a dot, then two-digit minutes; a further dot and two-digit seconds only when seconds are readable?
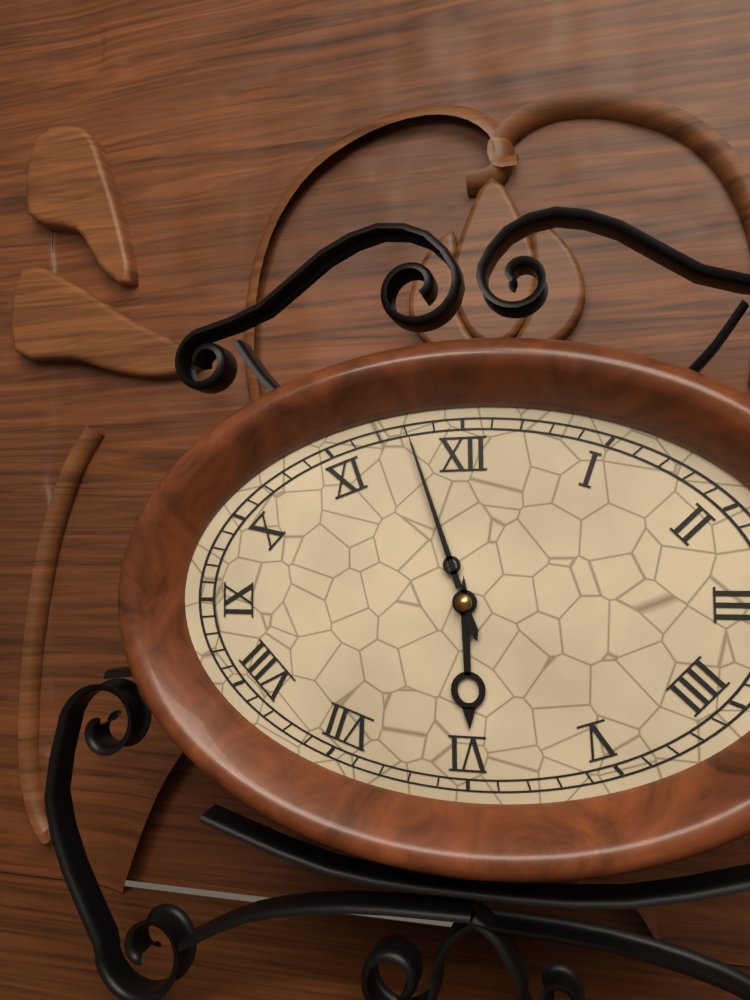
5.57
